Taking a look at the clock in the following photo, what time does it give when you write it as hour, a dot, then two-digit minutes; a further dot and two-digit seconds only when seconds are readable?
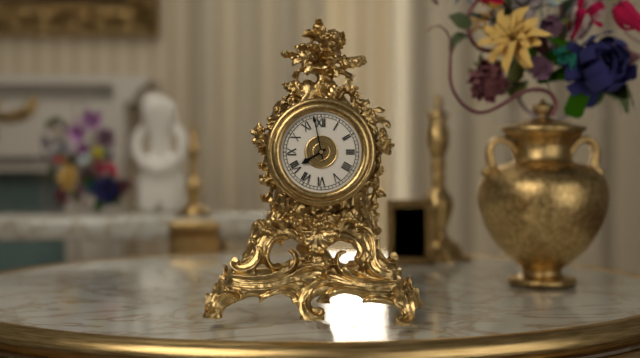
7.58
